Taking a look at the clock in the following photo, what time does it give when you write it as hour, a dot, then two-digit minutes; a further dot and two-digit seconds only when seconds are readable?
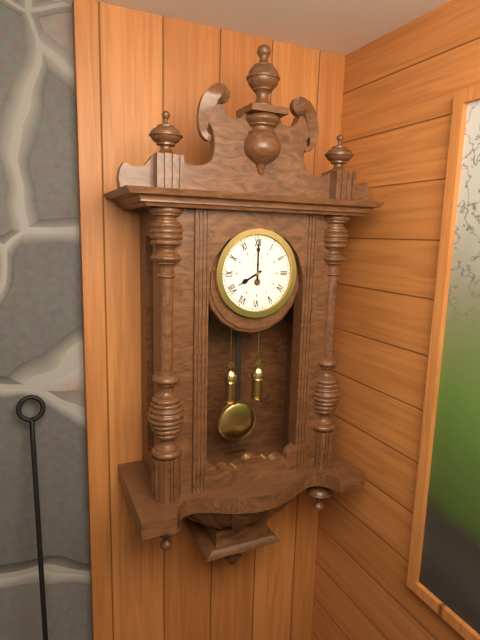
8.00
